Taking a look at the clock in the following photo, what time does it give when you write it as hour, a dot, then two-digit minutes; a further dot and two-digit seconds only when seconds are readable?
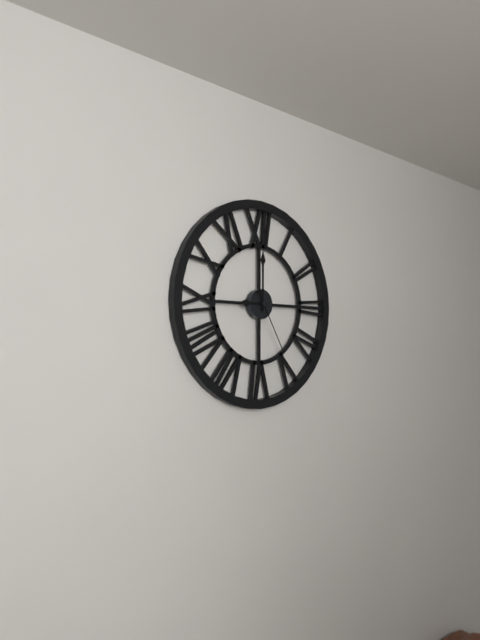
9.00.25
